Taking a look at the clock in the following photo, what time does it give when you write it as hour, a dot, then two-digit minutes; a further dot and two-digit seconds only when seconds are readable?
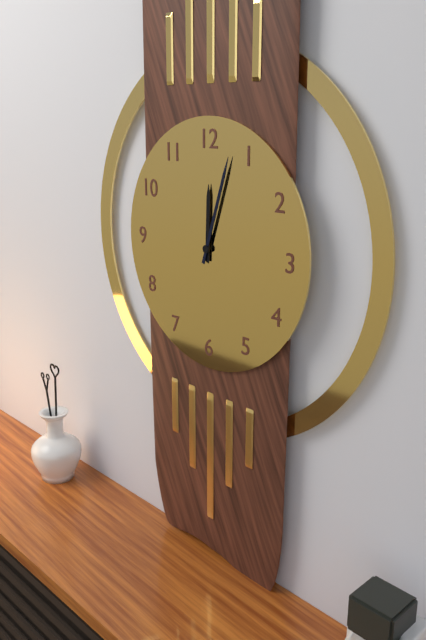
12.03
